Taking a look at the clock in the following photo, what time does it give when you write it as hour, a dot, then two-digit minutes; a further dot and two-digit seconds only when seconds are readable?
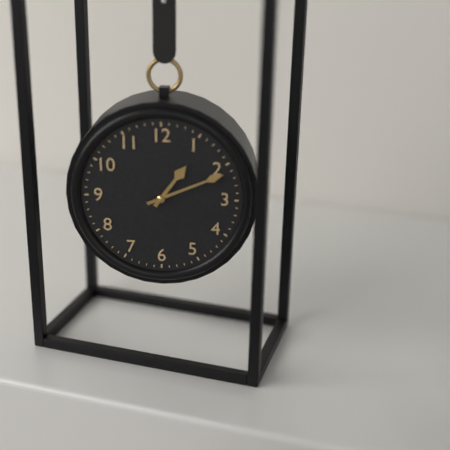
1.11
